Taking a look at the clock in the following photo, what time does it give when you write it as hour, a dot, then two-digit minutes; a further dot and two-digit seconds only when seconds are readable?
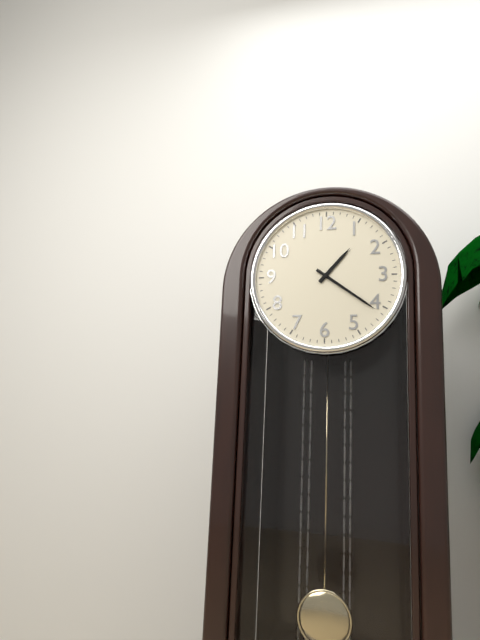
1.21
